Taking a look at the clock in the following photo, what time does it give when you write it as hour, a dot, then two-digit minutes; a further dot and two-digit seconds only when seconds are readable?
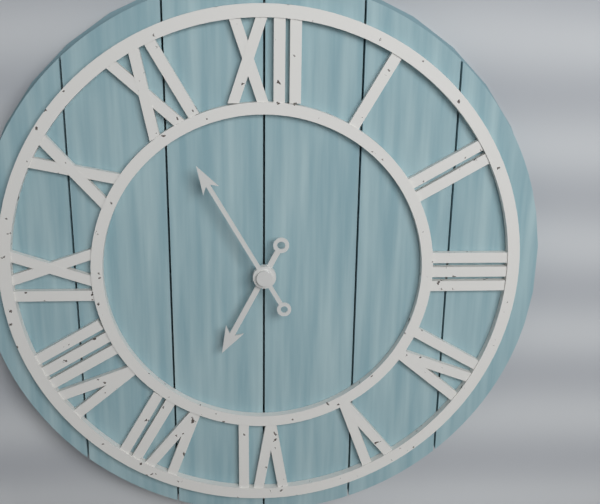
6.55
